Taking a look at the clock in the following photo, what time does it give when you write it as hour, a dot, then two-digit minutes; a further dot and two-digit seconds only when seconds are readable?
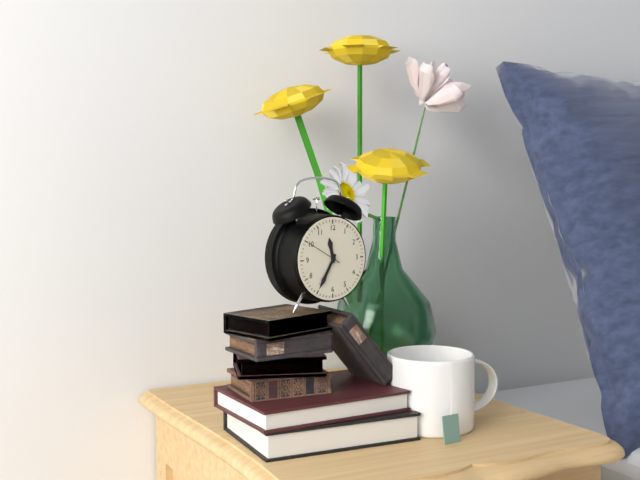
11.35
